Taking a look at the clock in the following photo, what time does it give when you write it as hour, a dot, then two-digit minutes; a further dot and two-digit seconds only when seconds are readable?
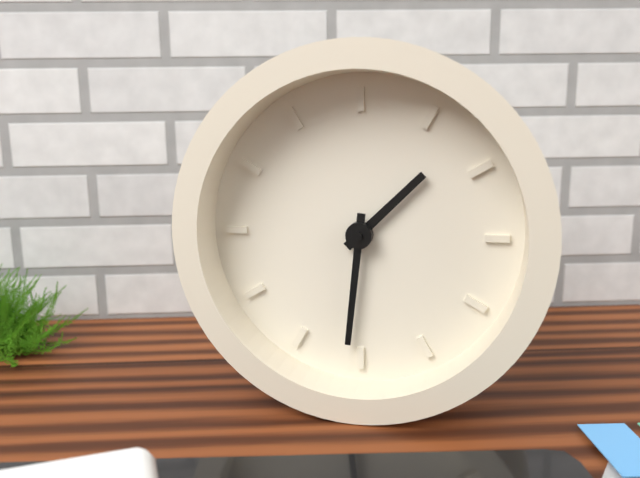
1.31
